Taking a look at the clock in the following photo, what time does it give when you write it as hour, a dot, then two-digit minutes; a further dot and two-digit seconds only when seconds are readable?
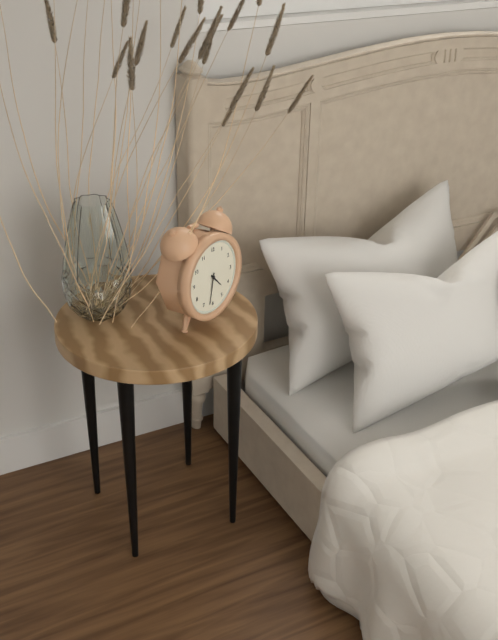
4.32
